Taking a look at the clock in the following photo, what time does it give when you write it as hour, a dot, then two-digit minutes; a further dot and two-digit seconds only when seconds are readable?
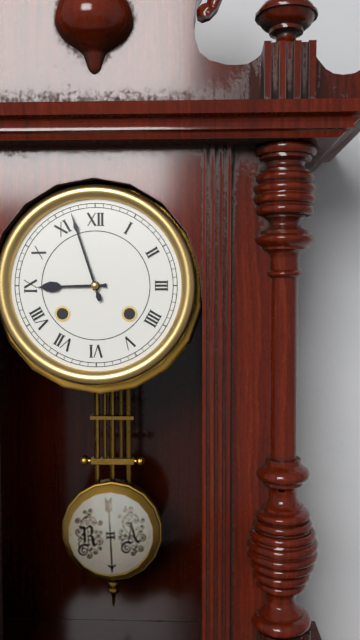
8.57
